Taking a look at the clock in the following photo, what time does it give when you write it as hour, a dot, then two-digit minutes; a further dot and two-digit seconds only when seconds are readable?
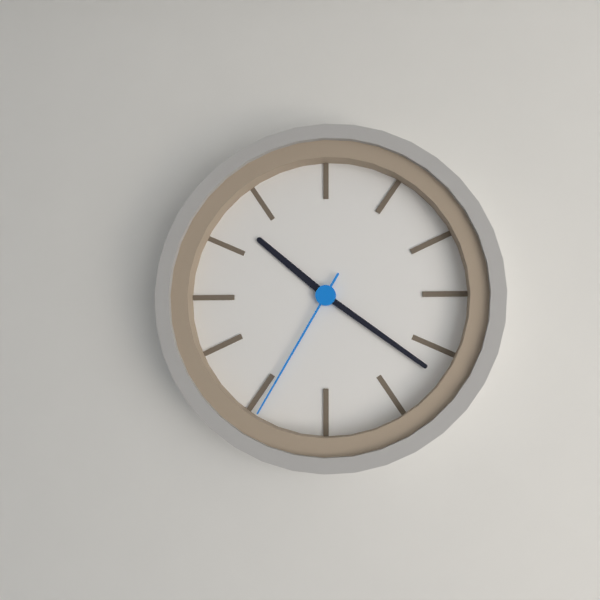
10.21.35
